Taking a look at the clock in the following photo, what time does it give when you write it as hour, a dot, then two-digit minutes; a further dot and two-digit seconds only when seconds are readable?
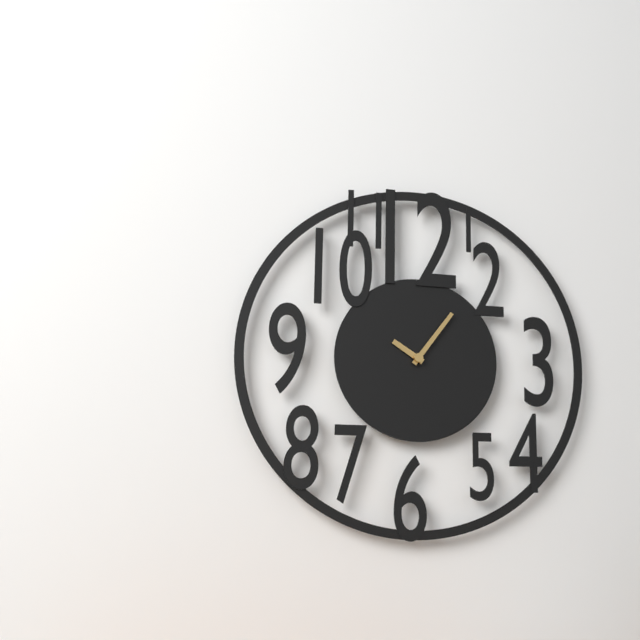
10.06
